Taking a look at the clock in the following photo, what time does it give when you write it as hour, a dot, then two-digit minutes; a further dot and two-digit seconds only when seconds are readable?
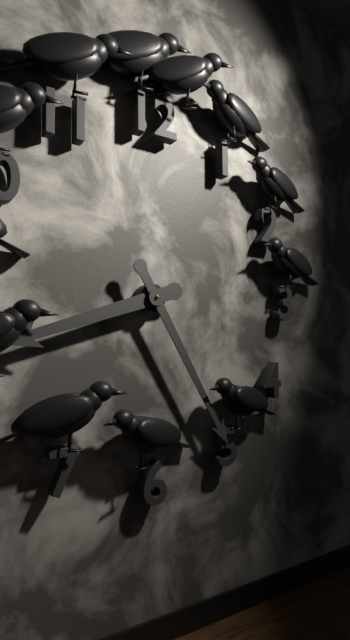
8.25
